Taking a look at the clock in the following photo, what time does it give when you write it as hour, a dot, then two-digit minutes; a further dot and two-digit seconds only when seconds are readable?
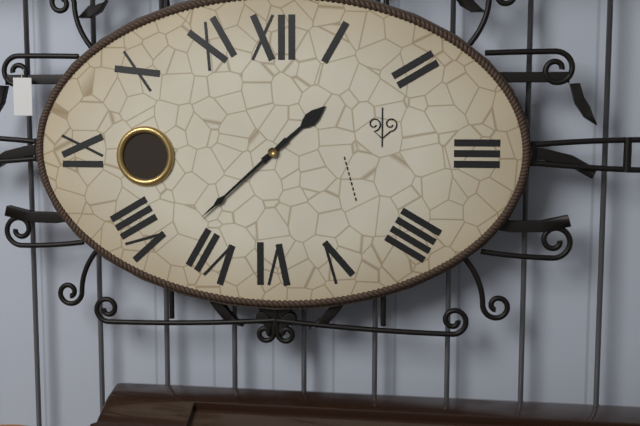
1.38
